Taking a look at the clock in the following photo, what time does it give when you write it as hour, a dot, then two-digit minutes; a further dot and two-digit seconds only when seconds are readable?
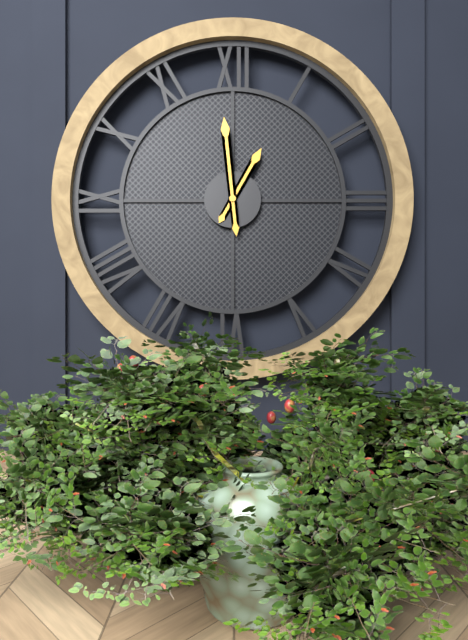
12.59
